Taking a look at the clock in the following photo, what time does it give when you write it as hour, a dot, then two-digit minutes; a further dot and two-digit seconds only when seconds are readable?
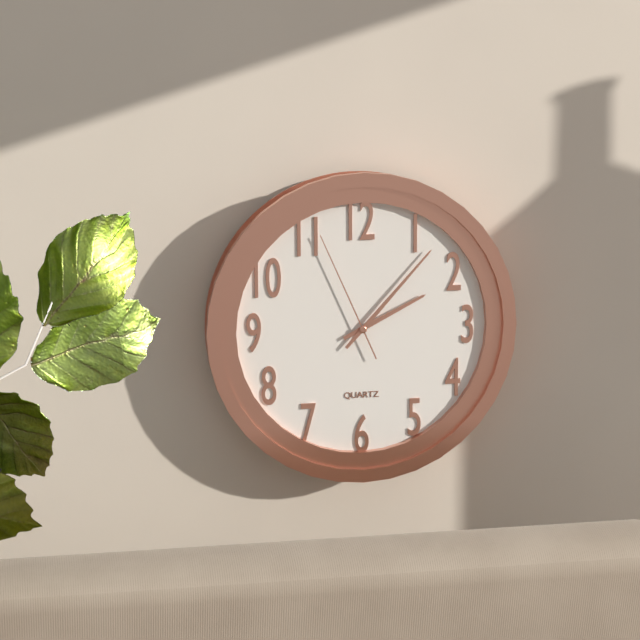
2.07.56
